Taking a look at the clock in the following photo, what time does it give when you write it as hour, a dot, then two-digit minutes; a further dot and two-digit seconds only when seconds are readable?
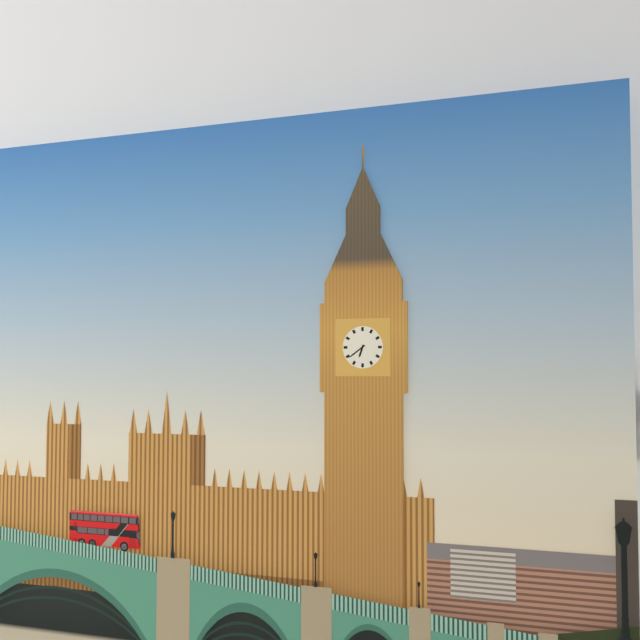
6.39
